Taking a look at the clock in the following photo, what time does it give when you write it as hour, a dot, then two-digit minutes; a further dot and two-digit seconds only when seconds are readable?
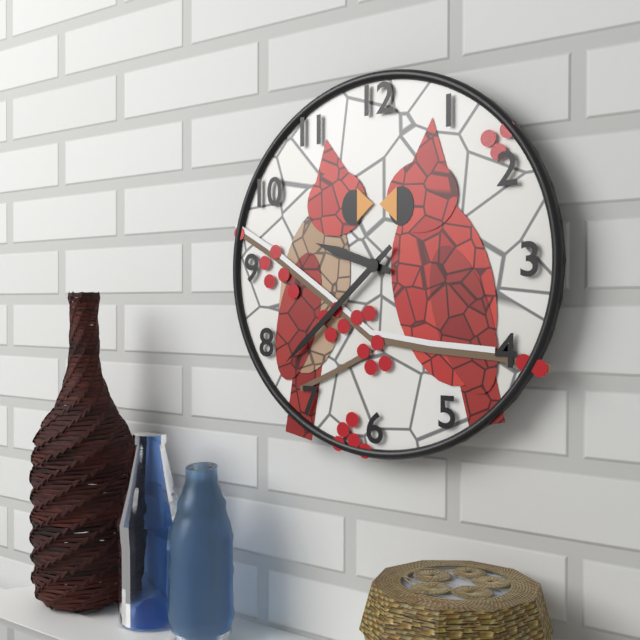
9.38
